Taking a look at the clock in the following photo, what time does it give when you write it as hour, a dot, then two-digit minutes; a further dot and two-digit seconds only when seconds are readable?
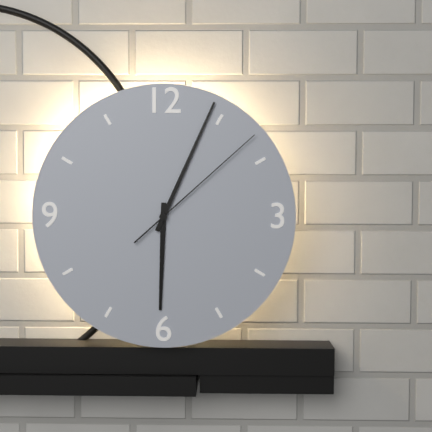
6.04.08
